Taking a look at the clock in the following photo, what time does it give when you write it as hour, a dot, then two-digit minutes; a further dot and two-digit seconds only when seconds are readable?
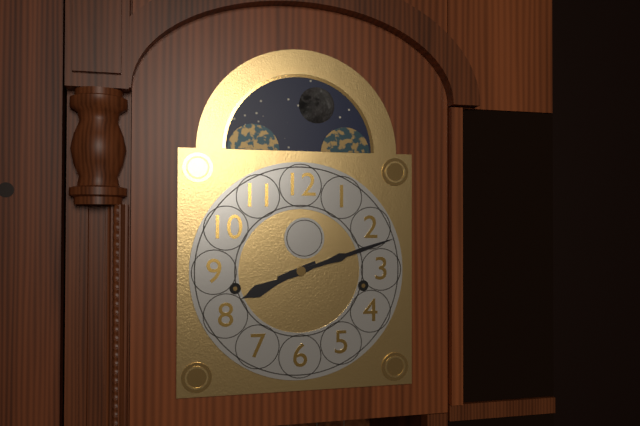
8.12
